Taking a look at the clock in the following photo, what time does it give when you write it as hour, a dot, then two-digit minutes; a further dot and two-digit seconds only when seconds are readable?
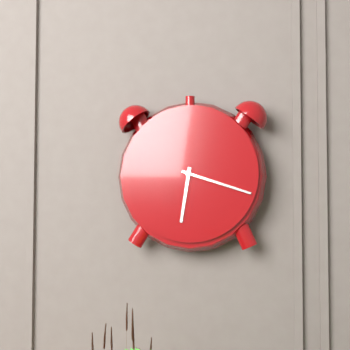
6.18
